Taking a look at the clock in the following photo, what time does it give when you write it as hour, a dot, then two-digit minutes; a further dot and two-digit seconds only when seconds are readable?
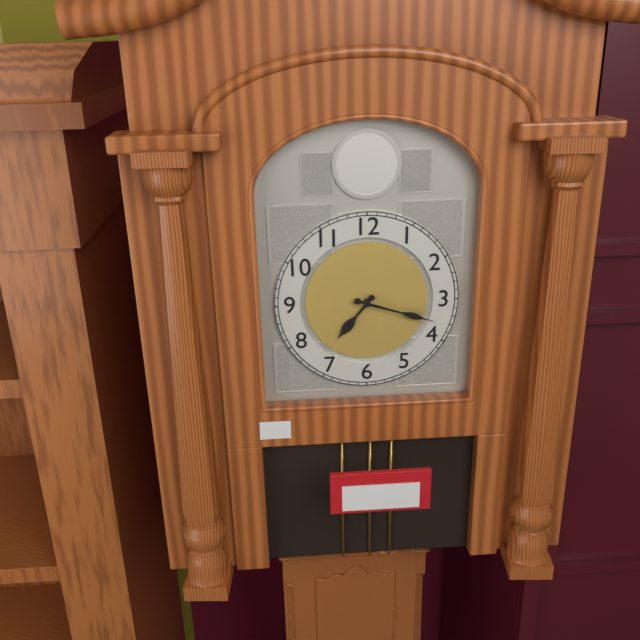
7.18
